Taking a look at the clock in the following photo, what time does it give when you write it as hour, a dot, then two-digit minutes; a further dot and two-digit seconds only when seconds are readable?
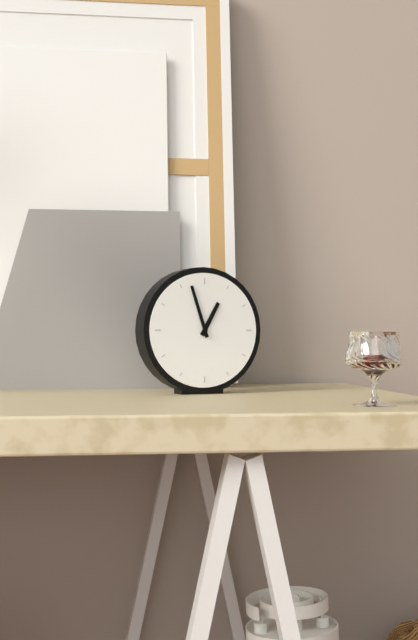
12.57
